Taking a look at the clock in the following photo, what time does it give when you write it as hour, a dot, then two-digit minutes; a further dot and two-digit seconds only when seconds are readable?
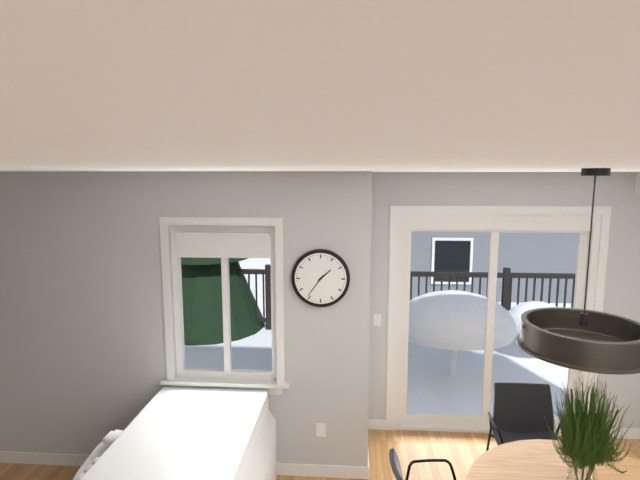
1.36
